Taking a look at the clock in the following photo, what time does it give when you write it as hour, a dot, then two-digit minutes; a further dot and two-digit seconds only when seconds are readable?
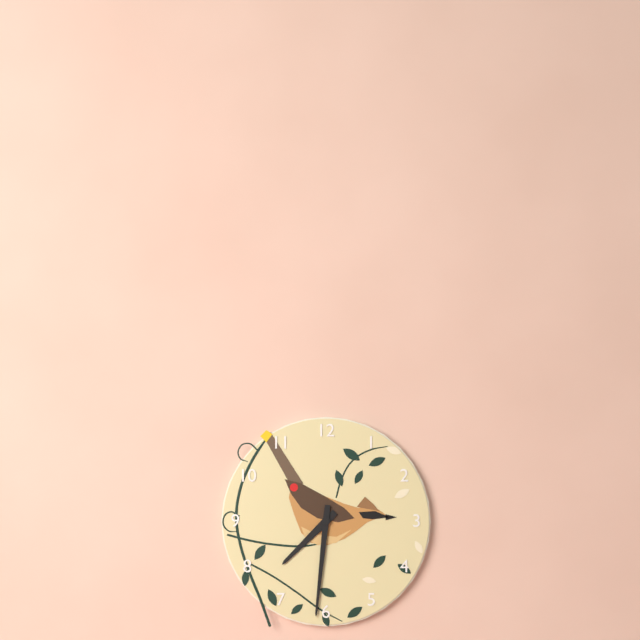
7.31
